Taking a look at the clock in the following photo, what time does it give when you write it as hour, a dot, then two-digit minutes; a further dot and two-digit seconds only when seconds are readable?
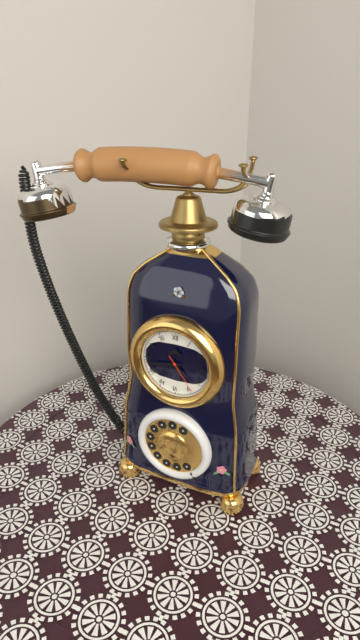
4.43
